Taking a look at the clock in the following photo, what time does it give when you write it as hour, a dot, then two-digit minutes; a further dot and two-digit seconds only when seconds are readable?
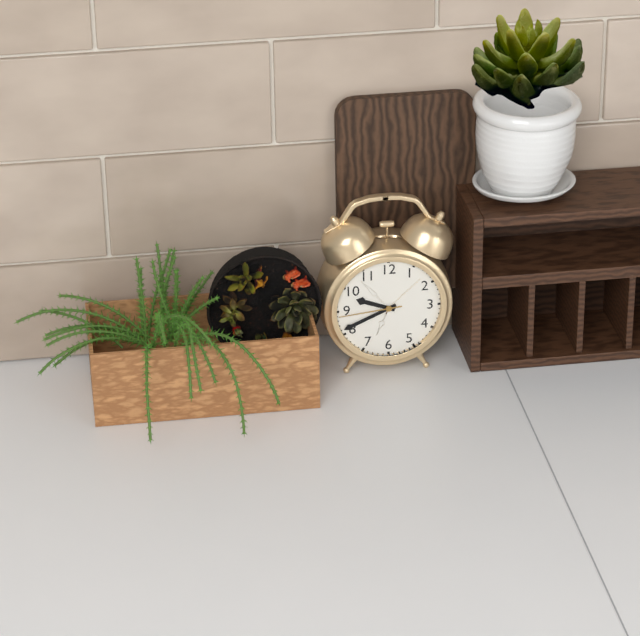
9.41.44
